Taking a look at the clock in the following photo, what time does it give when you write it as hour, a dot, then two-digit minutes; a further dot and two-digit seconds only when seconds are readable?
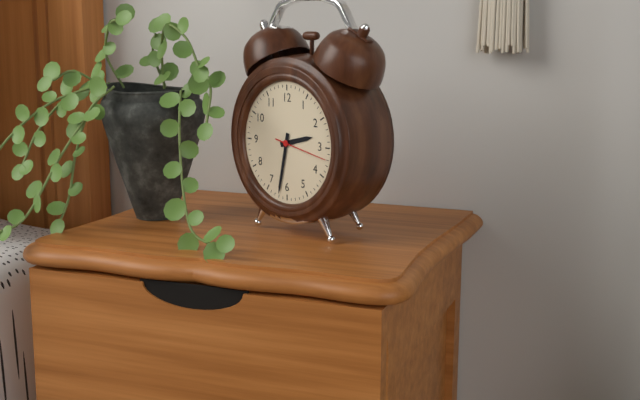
2.32.17
